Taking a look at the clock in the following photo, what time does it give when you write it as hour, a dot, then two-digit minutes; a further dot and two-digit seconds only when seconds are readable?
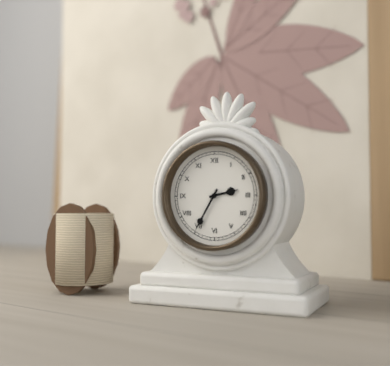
2.35
